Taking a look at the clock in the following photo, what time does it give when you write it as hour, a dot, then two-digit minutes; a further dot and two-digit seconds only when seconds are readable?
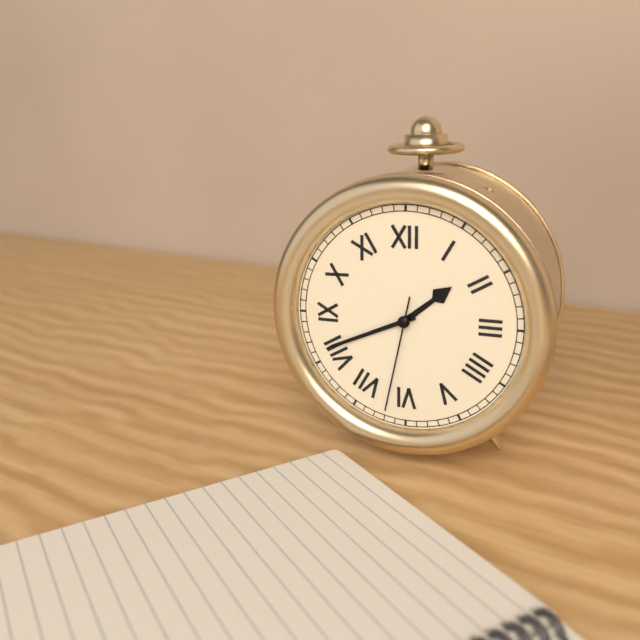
1.41.32
